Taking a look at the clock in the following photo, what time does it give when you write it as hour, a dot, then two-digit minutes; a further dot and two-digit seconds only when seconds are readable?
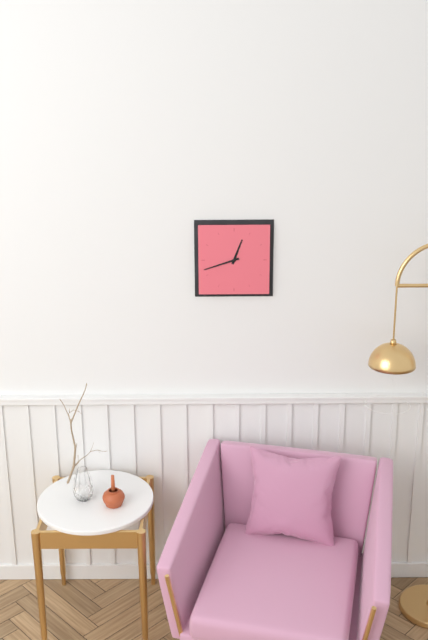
12.42
